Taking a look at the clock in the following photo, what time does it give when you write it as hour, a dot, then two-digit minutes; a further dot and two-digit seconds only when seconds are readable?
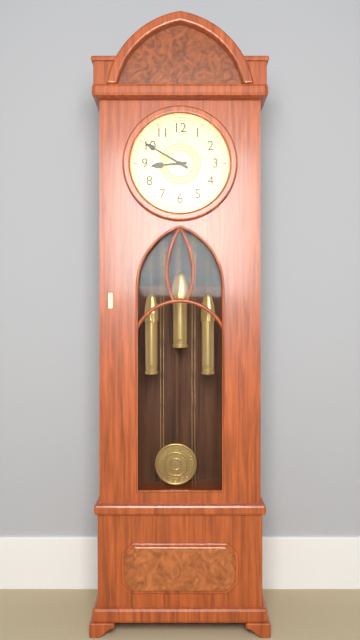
8.50
